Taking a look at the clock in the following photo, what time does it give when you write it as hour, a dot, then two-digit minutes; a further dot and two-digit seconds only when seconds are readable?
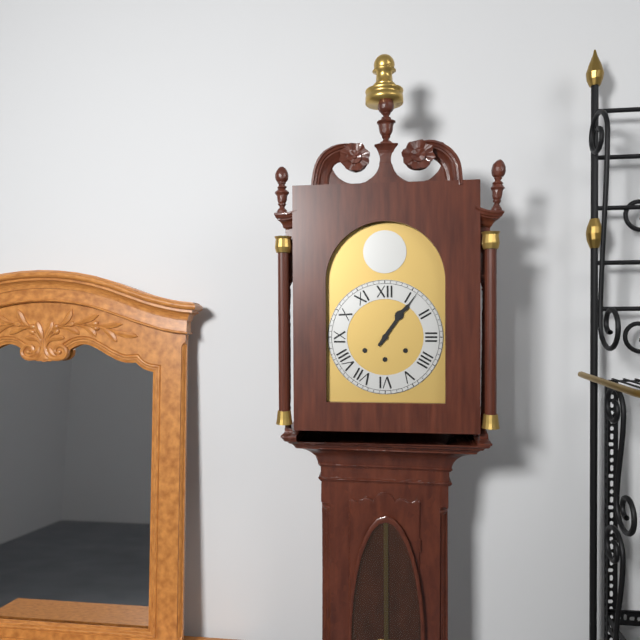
1.06
